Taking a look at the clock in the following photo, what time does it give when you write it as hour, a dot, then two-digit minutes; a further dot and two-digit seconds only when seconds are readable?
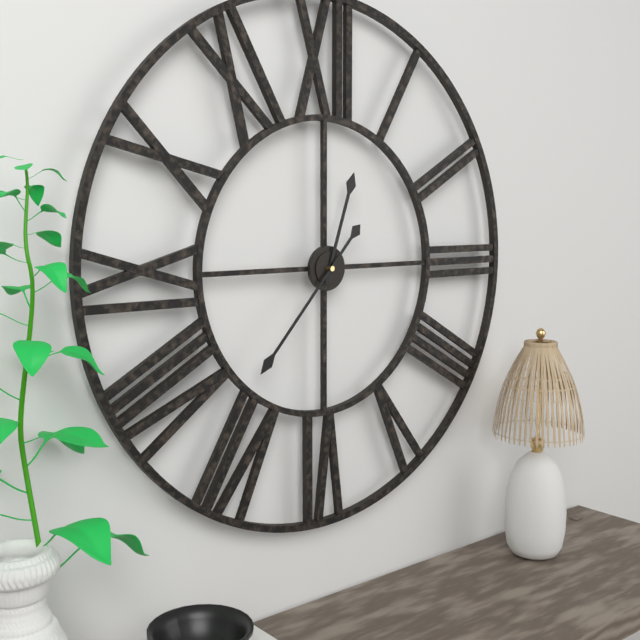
12.37
